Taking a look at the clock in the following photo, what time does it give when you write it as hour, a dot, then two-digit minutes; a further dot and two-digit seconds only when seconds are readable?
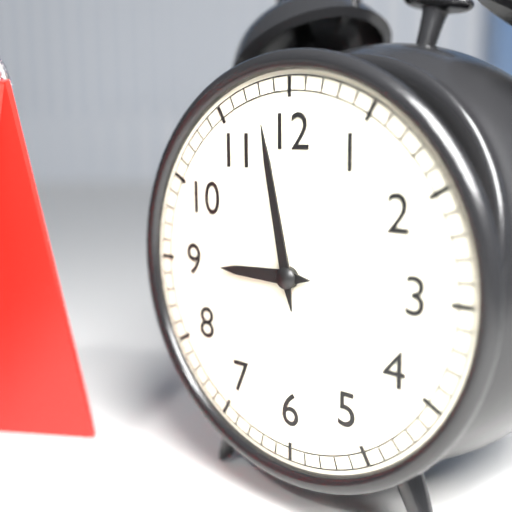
8.58
